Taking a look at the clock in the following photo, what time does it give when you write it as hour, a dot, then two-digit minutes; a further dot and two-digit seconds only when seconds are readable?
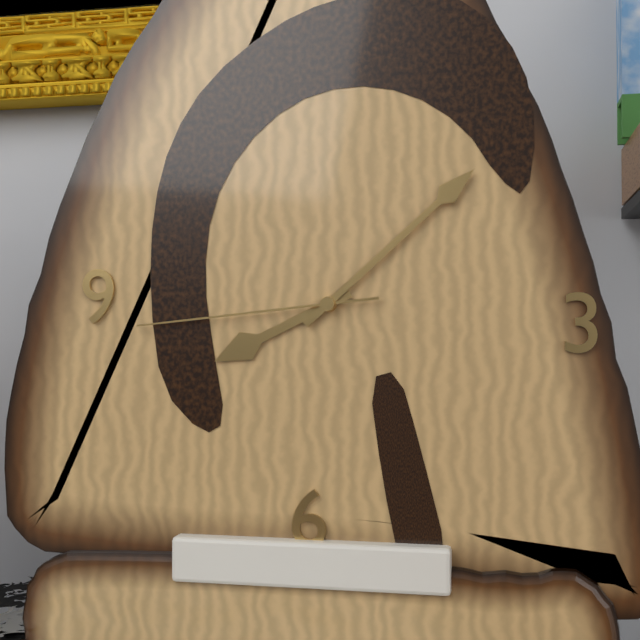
8.08.44
